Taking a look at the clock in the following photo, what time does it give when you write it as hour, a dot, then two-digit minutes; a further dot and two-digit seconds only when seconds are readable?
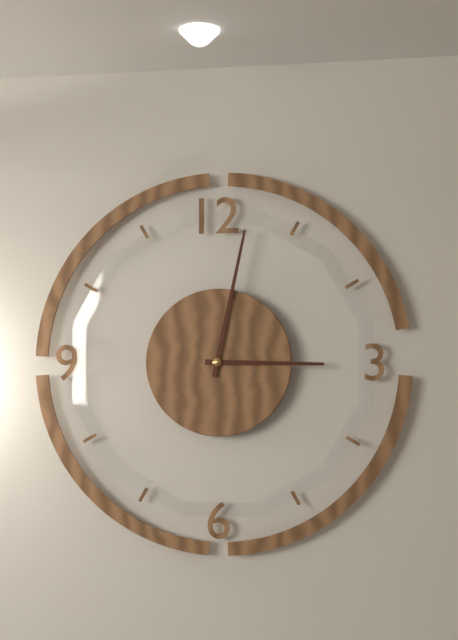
3.02
